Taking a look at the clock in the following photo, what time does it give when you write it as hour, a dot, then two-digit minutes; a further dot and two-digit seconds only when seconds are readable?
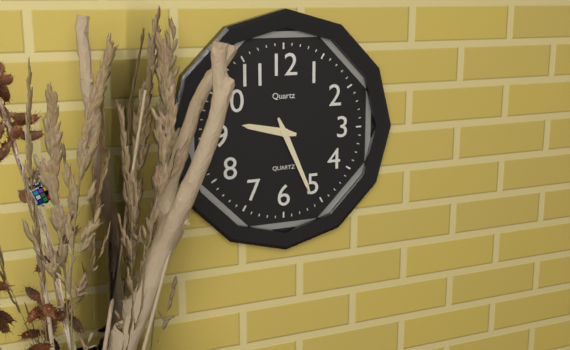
9.26
